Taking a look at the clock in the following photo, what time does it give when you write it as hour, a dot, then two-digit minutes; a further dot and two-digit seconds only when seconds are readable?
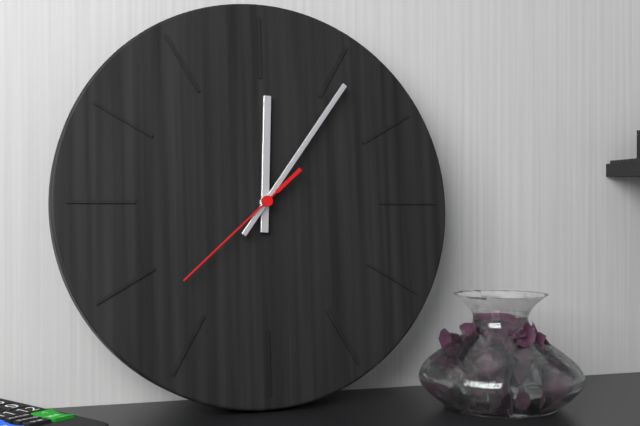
12.06.38
